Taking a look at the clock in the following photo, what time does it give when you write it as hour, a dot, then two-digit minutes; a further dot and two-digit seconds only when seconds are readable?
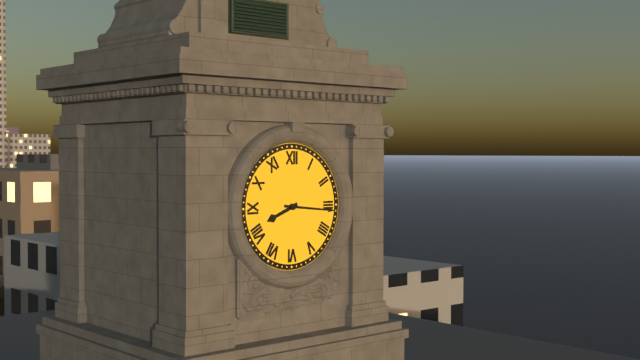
8.16
